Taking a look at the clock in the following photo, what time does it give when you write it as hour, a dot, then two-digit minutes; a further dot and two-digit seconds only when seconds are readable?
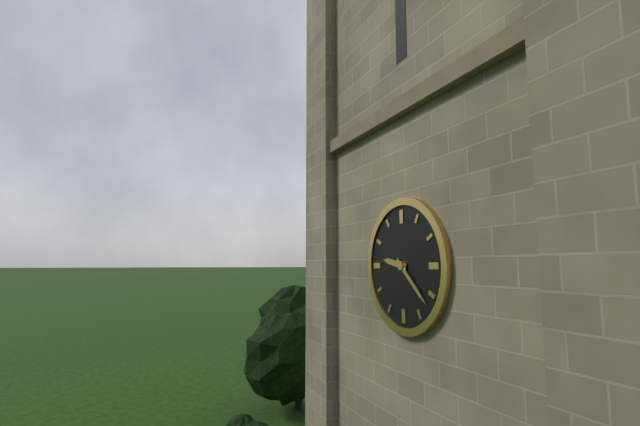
9.22
